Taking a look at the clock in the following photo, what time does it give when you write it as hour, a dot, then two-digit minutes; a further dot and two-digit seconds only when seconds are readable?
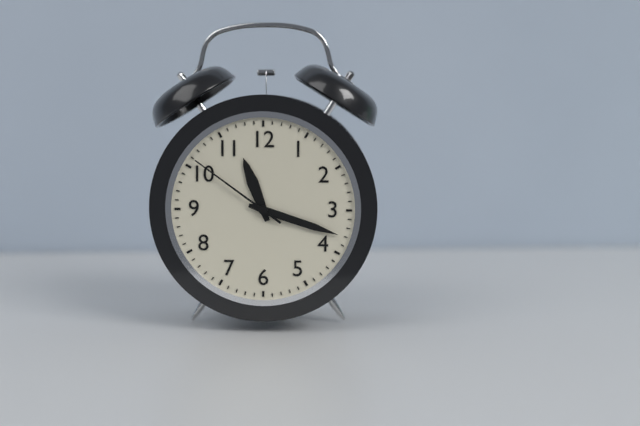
11.18.51
